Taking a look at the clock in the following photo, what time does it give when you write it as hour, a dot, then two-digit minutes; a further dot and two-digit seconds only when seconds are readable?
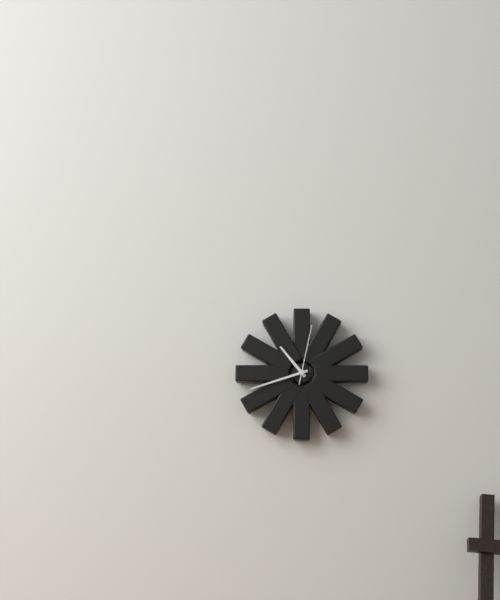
10.42.02
